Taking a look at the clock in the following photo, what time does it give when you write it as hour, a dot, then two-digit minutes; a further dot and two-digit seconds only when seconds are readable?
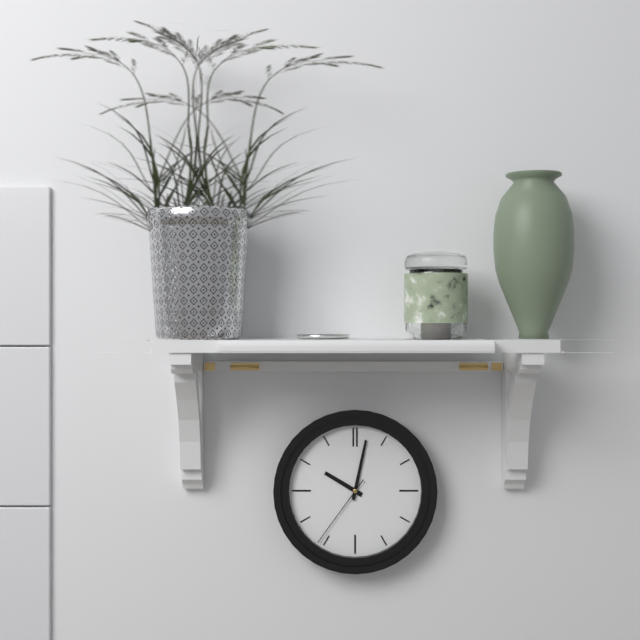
10.02.36
